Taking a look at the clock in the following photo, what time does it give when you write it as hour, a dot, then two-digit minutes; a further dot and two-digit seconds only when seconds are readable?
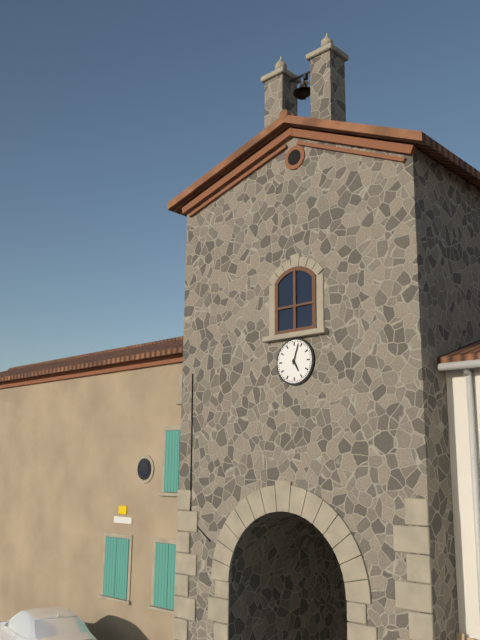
5.03
